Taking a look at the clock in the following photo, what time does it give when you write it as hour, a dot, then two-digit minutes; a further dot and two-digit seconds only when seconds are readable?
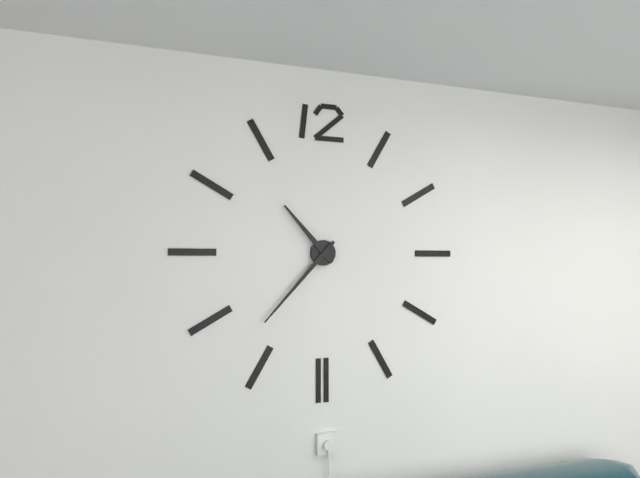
10.37
